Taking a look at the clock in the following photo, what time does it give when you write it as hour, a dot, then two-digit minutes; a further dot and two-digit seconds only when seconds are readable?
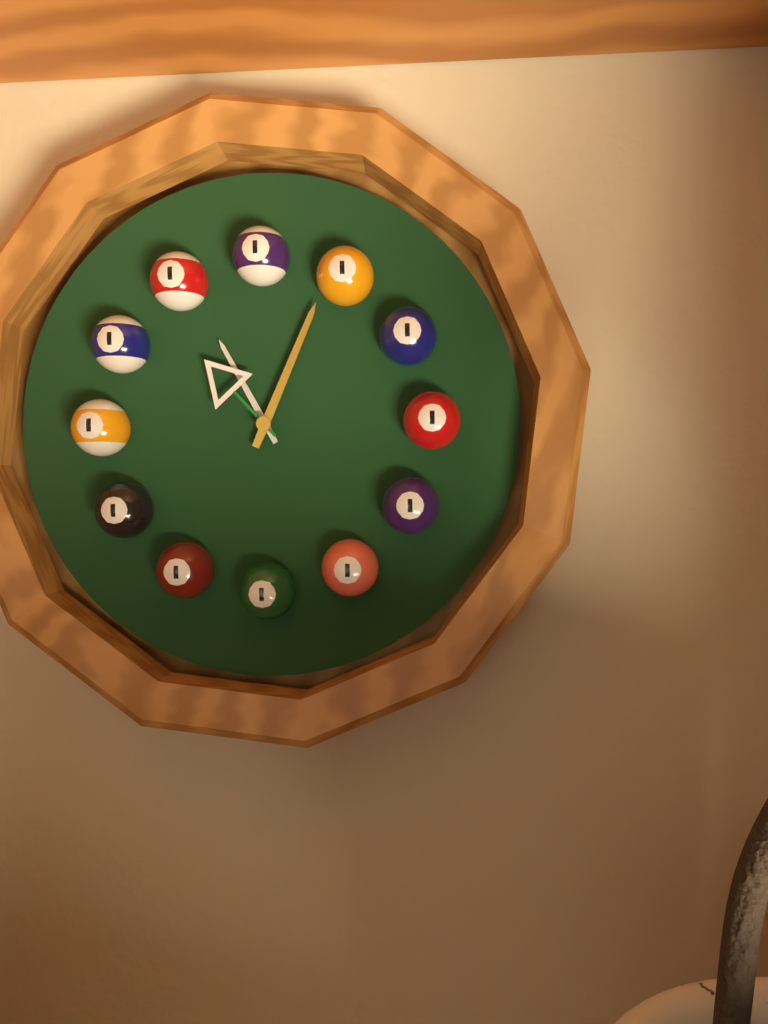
11.04.53
